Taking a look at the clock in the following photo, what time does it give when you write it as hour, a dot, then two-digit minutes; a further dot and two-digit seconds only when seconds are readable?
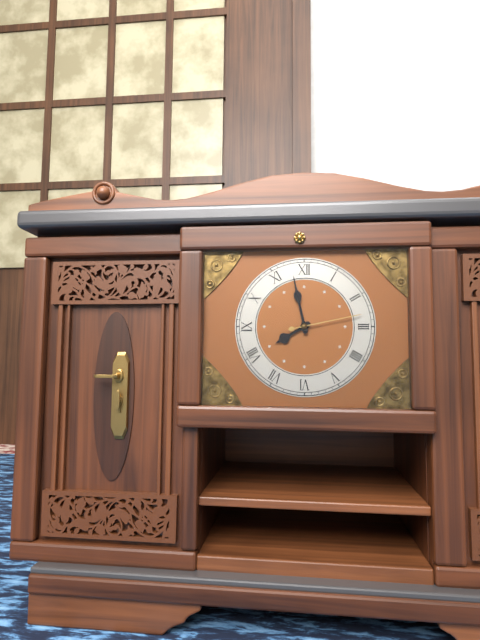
7.58.13
